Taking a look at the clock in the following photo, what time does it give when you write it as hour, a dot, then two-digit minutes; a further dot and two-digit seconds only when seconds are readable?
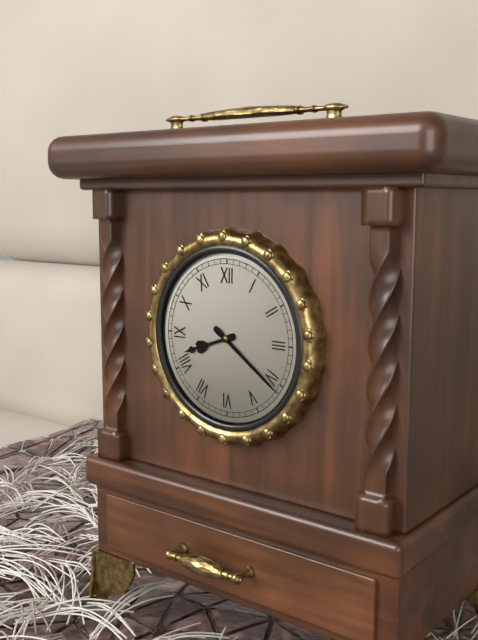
8.21
